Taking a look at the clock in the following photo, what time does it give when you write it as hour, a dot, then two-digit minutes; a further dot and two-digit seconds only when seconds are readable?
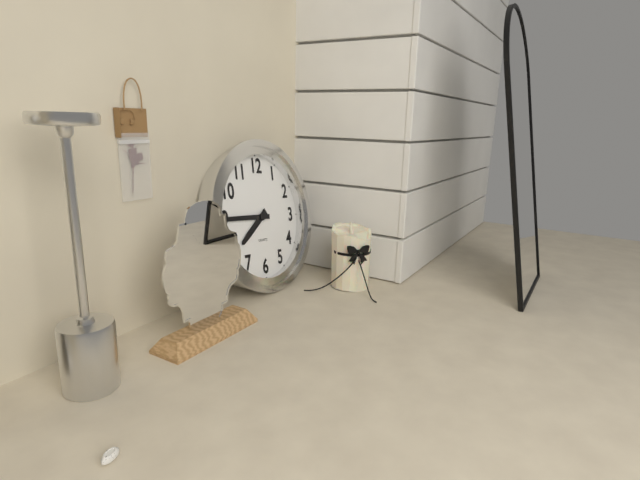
7.45
